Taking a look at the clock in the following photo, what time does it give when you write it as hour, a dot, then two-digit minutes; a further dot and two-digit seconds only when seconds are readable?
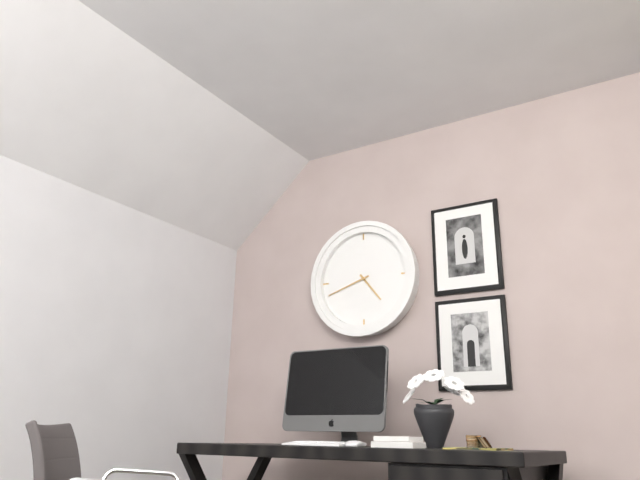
4.42
